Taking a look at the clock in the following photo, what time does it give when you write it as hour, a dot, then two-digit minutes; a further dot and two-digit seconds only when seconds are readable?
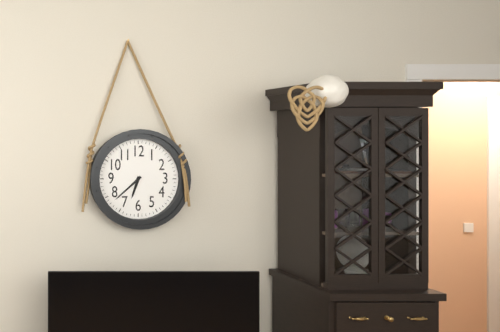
6.38
